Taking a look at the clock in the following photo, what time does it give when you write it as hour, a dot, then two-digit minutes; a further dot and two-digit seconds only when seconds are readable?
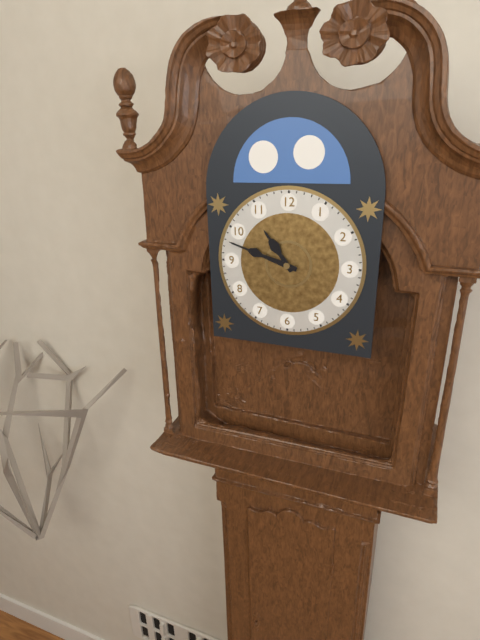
10.48
